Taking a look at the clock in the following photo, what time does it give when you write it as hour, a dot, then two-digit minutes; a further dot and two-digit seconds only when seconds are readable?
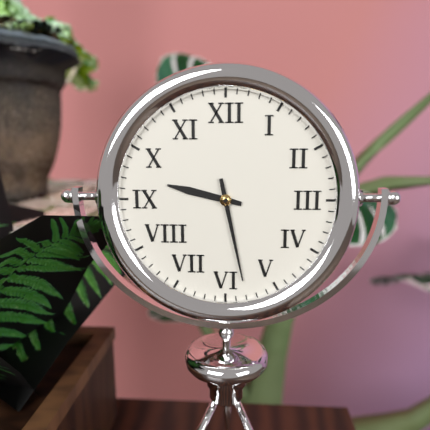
9.28
